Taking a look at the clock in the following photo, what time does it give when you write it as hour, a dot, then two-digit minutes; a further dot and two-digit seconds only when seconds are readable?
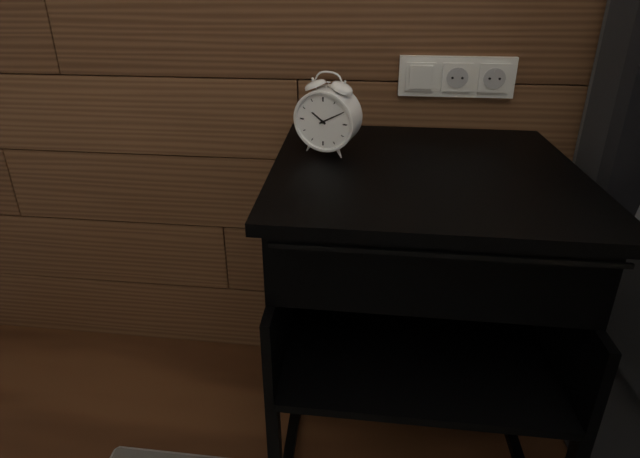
10.10
